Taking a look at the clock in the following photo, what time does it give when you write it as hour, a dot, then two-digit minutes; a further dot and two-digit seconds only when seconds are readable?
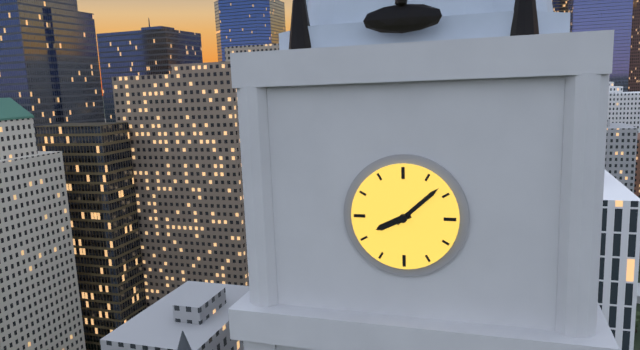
8.08
